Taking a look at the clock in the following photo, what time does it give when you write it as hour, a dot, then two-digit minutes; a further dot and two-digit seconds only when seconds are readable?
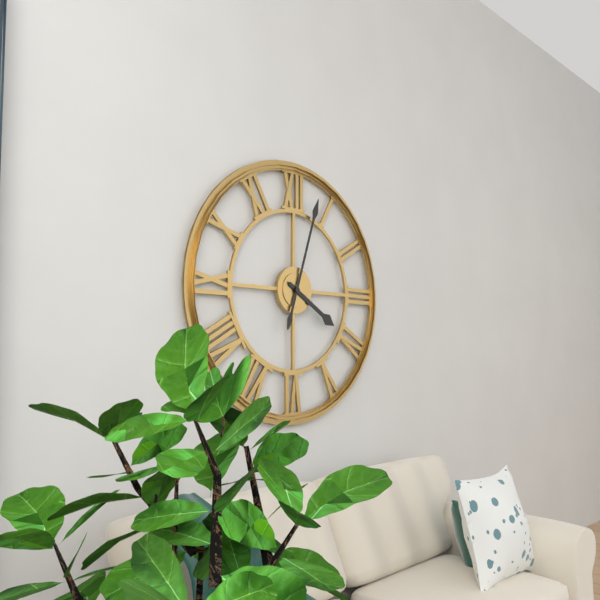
4.03
